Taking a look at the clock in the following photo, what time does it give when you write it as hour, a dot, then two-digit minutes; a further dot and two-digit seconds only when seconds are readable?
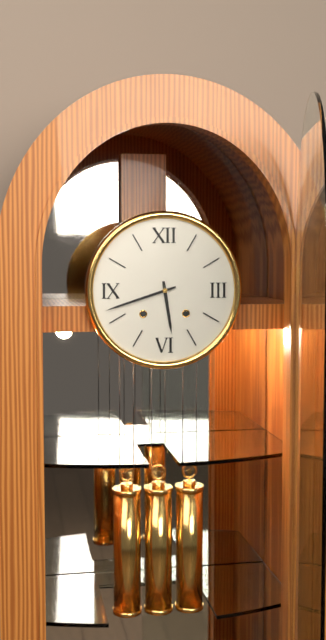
5.42
